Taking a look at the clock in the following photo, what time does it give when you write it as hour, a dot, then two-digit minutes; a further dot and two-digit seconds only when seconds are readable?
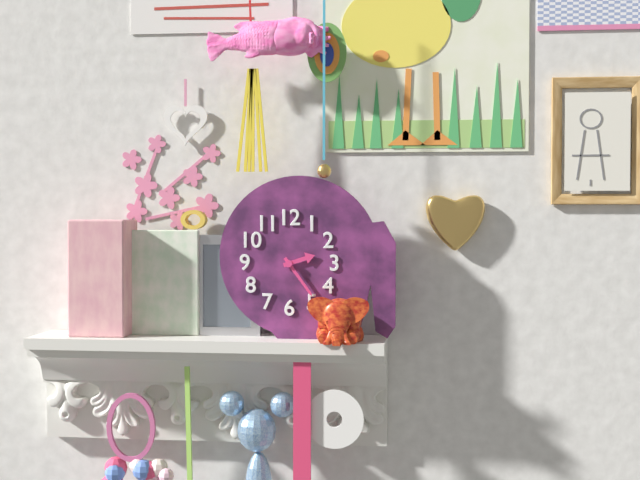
2.24
